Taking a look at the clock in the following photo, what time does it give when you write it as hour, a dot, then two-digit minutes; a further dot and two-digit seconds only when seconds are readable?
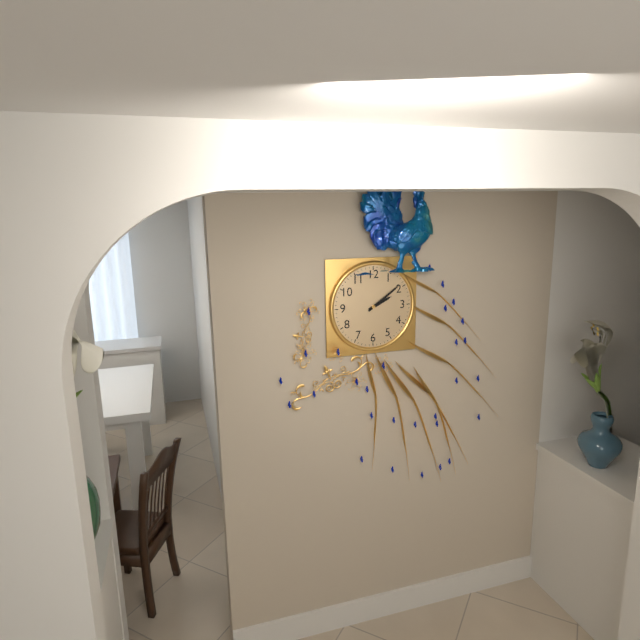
2.09
